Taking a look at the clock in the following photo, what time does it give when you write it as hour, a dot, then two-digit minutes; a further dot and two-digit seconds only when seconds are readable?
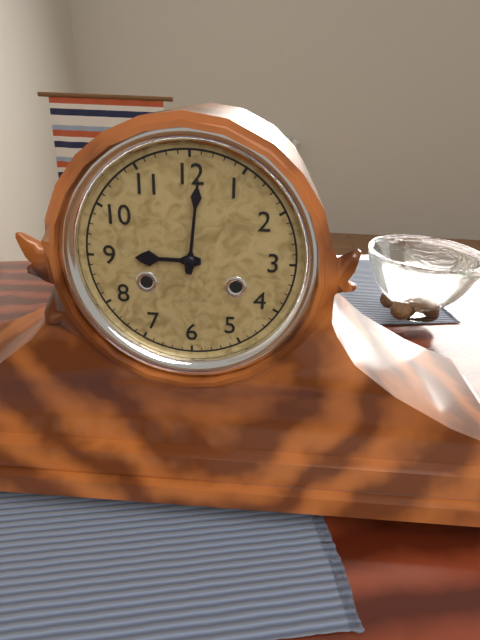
9.01
